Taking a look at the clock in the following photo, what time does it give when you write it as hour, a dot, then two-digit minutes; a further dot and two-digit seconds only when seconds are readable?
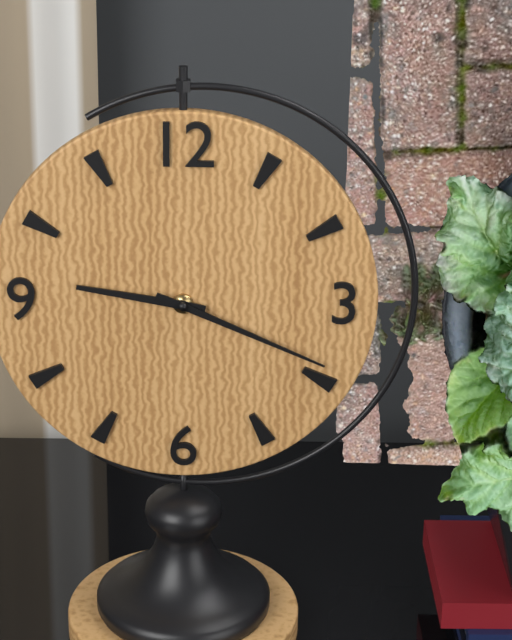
9.19
